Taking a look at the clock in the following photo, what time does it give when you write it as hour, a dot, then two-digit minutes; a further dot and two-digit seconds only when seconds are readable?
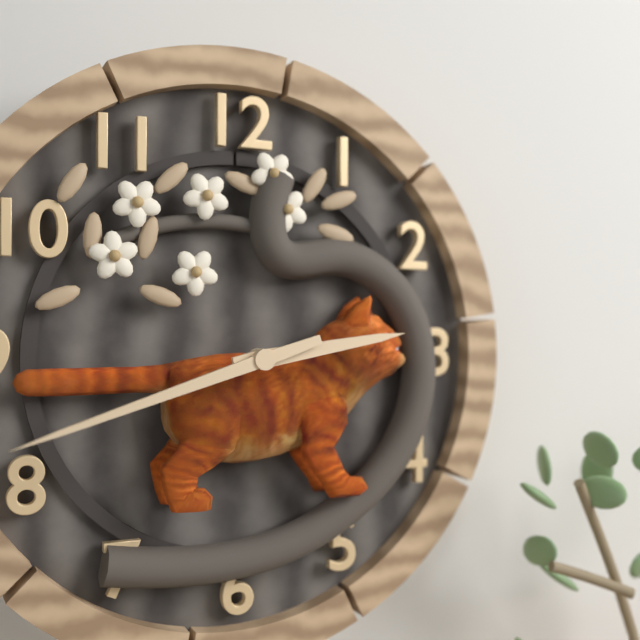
2.42
